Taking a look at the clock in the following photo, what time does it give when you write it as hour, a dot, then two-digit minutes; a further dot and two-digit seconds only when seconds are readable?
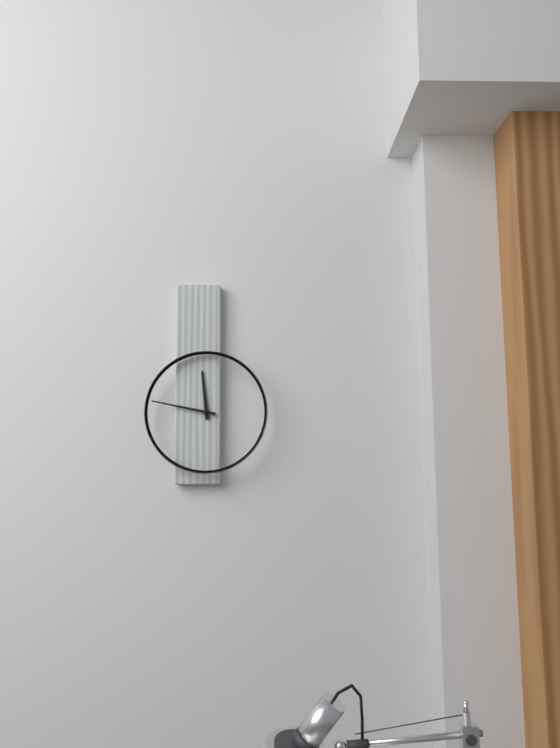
11.47
